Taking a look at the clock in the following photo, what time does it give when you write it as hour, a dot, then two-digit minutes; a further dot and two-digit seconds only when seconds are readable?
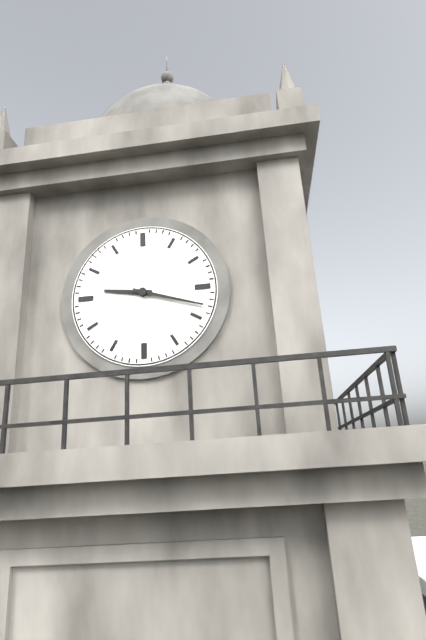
9.18
